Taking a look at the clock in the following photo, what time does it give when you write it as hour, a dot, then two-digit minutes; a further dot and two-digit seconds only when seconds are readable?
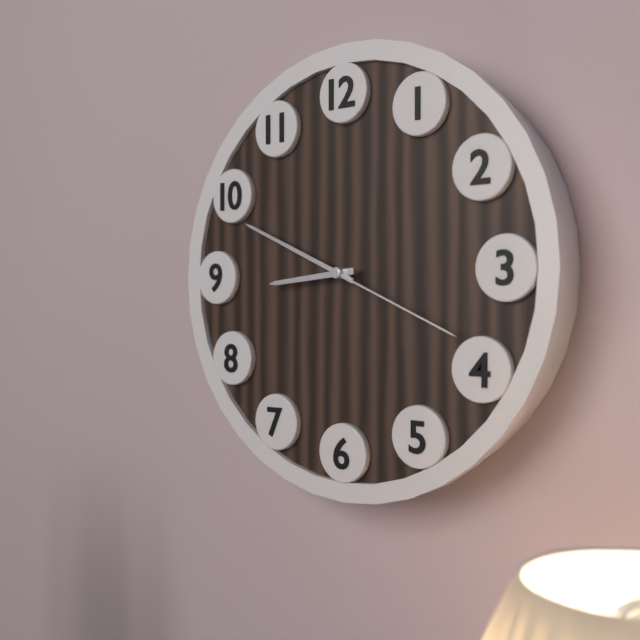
8.49.19
